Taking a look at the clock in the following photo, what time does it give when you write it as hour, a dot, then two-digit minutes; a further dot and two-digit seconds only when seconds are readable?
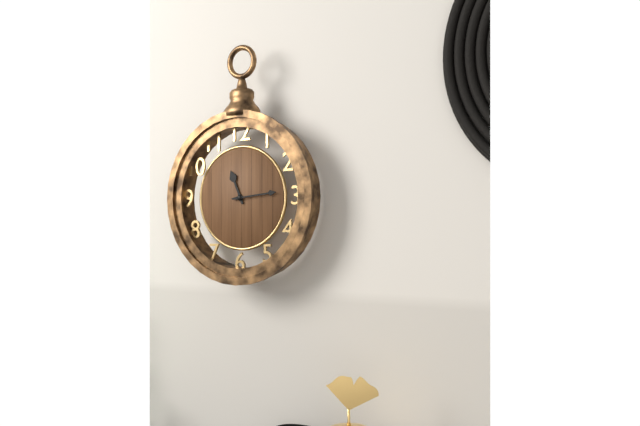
11.14
